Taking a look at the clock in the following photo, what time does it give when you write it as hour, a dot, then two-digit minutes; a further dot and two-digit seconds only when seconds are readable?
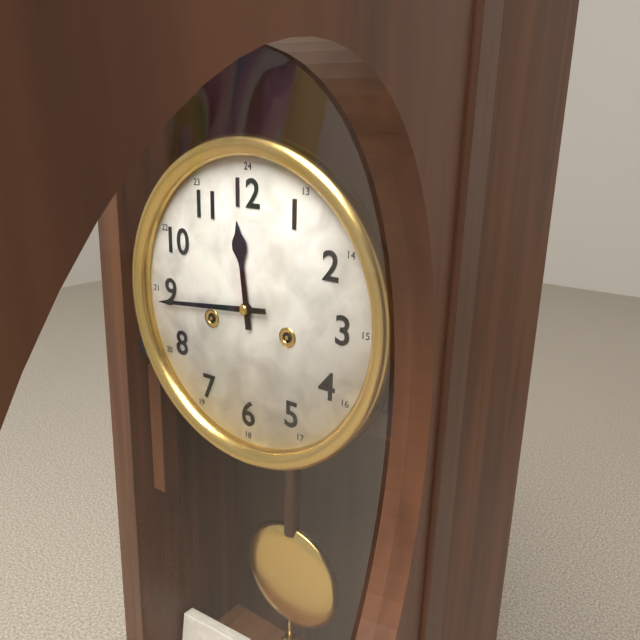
11.44
